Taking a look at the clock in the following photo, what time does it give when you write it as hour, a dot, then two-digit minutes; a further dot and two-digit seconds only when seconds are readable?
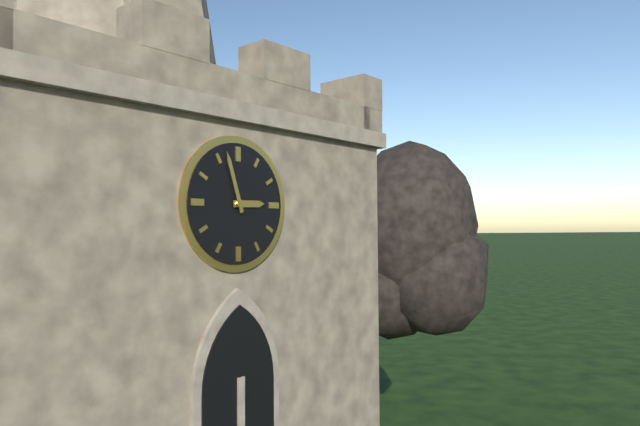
2.57
